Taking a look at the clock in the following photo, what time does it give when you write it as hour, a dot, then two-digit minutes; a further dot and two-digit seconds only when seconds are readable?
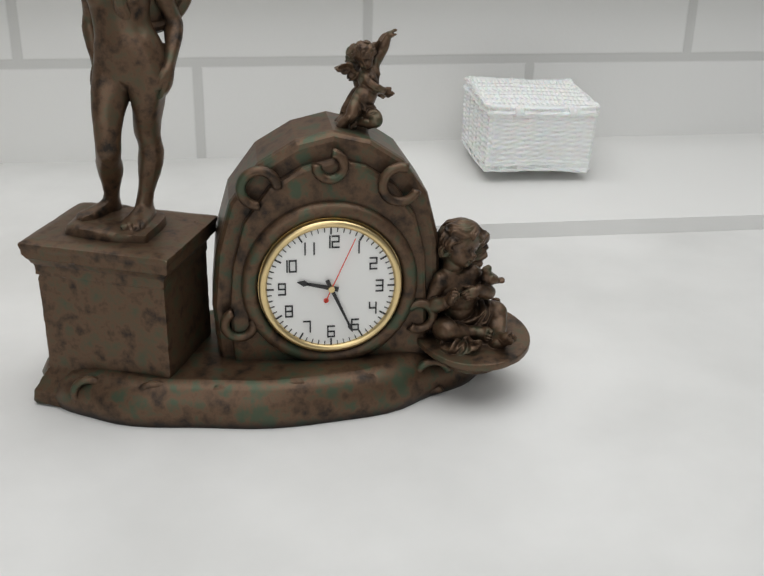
9.26.04
